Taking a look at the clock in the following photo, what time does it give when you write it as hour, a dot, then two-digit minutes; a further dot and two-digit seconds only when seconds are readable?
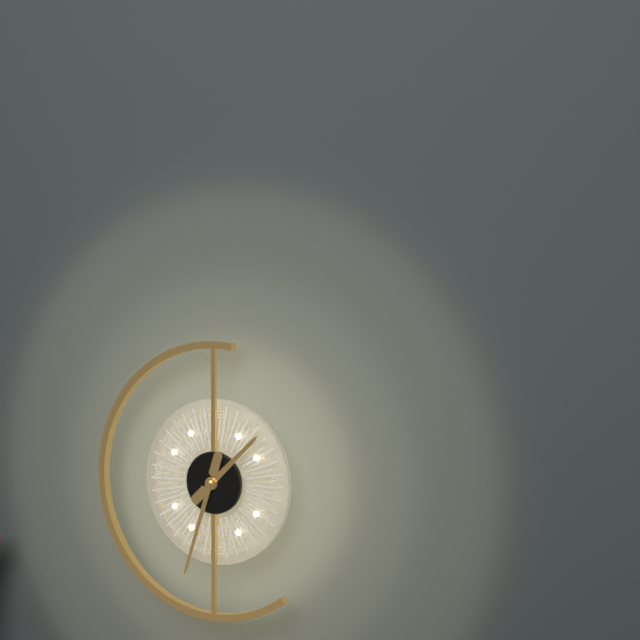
1.33
